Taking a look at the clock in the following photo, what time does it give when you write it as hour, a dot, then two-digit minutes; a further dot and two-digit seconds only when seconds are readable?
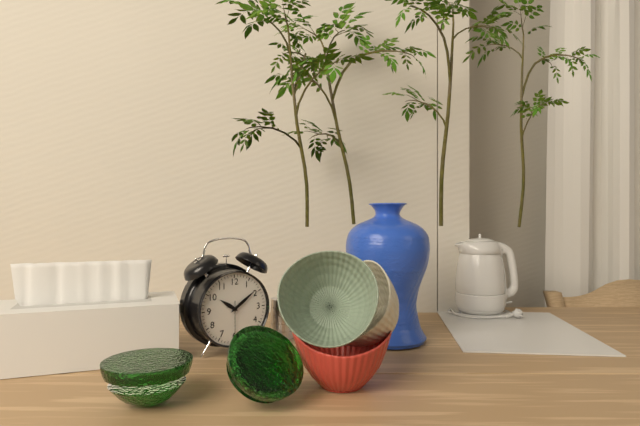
10.09
